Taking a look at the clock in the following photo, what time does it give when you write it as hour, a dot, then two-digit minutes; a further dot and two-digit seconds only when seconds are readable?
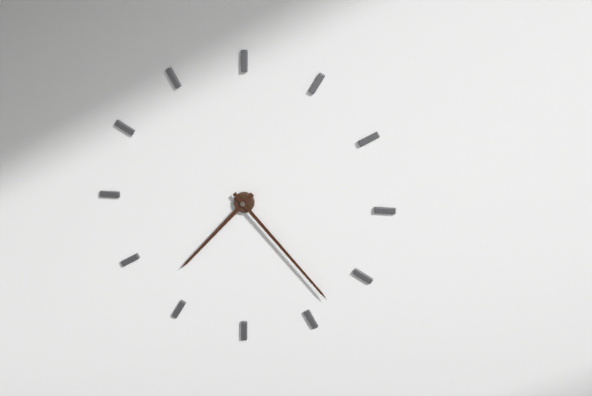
7.23
